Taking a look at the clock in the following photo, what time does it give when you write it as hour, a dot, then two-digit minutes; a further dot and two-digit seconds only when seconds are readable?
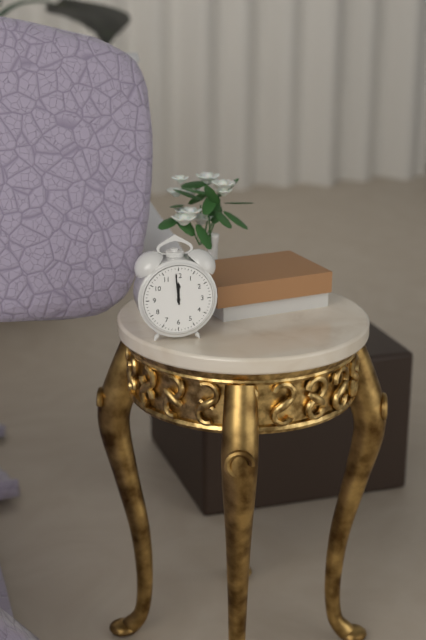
11.59
